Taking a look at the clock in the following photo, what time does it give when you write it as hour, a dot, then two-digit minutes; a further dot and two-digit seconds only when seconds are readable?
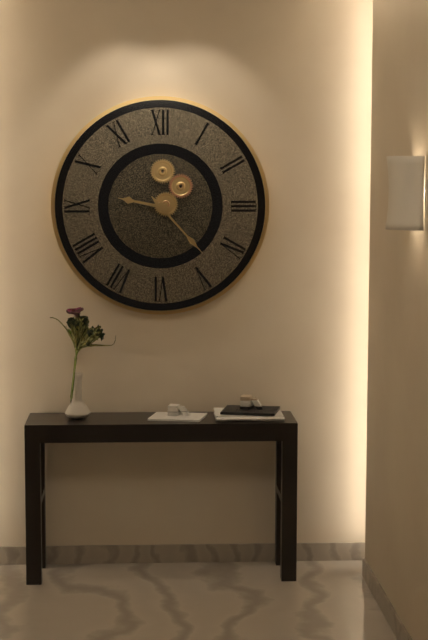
9.23
